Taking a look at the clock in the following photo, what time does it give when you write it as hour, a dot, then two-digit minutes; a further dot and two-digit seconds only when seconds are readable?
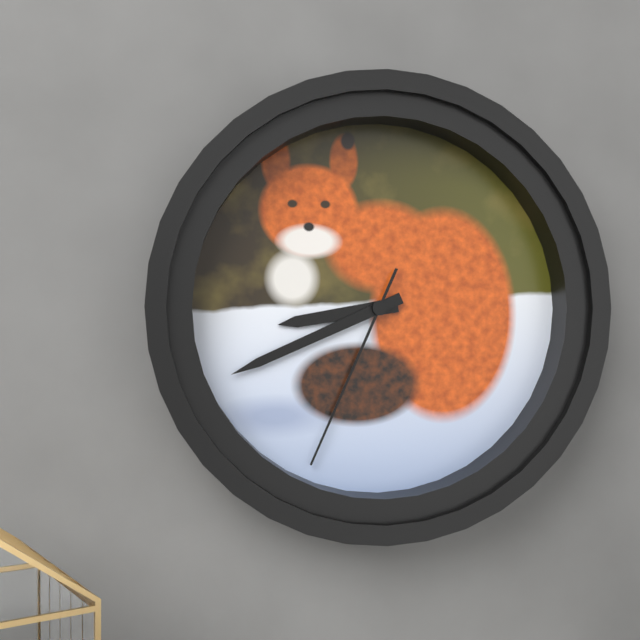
8.41.34
